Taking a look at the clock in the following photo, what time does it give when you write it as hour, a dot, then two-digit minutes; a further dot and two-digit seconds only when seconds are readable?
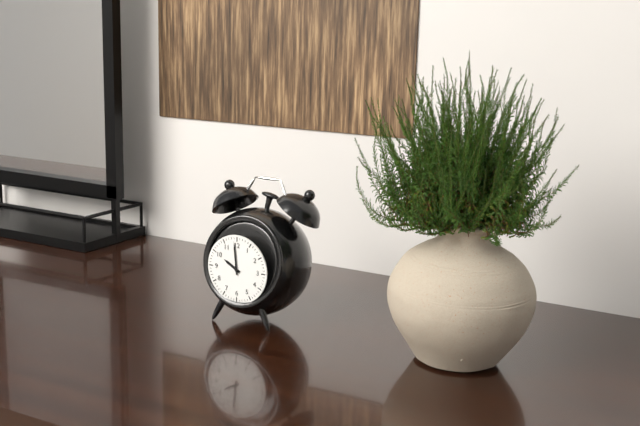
9.59
